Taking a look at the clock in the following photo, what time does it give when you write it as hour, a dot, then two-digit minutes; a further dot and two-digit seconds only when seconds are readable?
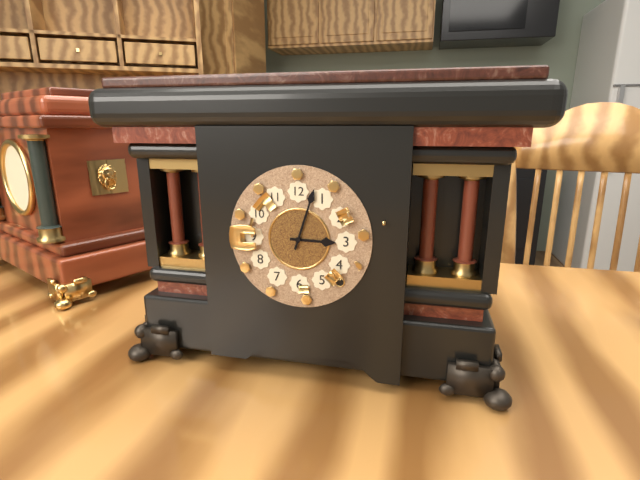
3.03
